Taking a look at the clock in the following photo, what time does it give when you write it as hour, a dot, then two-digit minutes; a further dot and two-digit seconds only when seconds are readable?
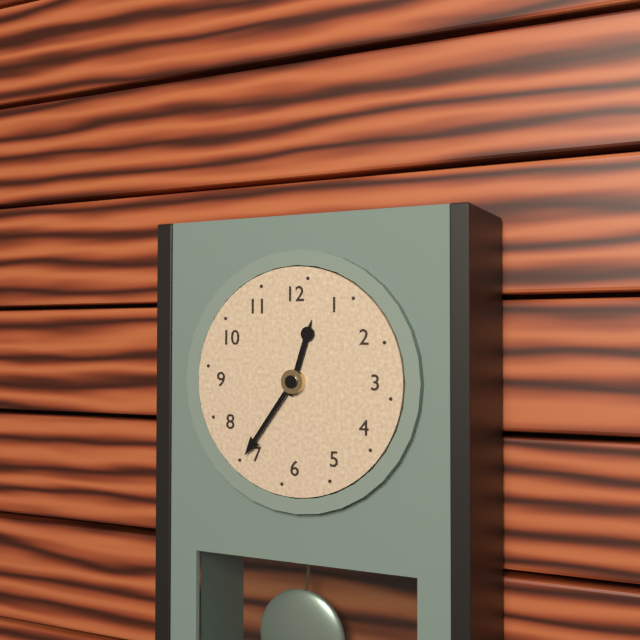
12.36
